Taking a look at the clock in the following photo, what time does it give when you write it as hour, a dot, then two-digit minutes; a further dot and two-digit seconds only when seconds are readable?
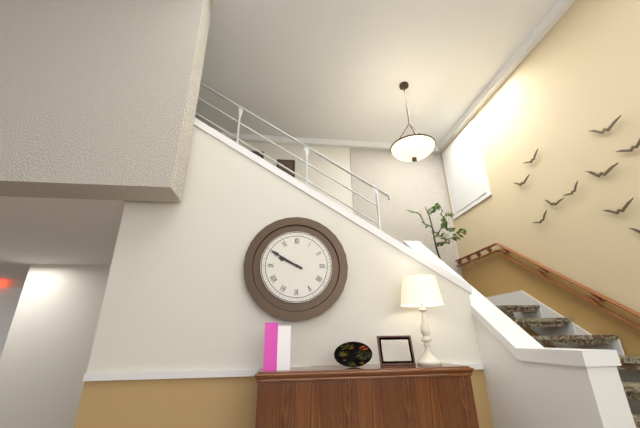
9.50
